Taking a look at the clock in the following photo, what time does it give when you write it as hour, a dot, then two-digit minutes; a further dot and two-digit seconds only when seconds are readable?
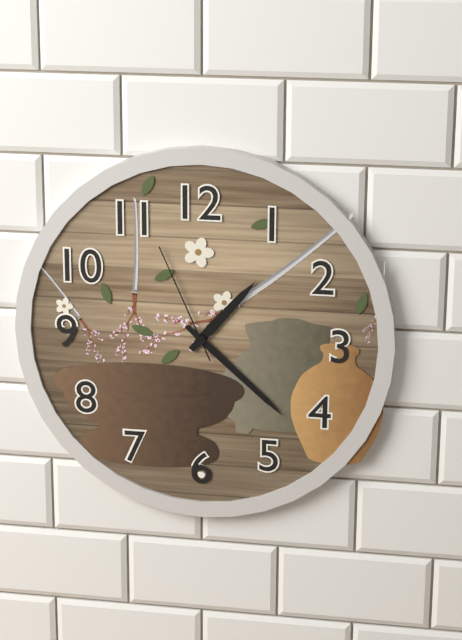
1.22.56
